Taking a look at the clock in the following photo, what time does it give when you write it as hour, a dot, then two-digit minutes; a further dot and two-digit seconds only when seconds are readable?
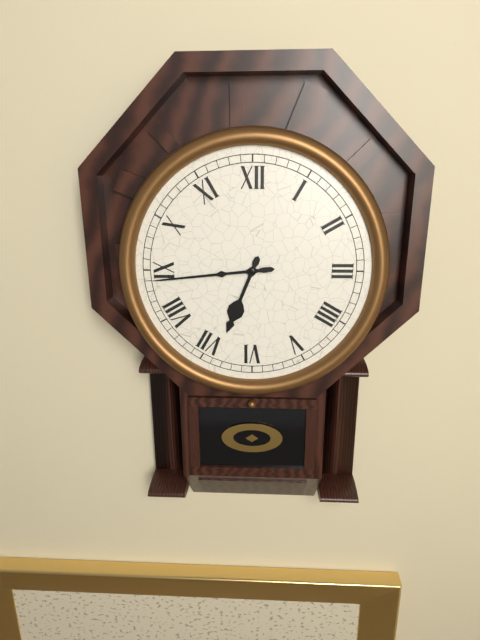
6.44
